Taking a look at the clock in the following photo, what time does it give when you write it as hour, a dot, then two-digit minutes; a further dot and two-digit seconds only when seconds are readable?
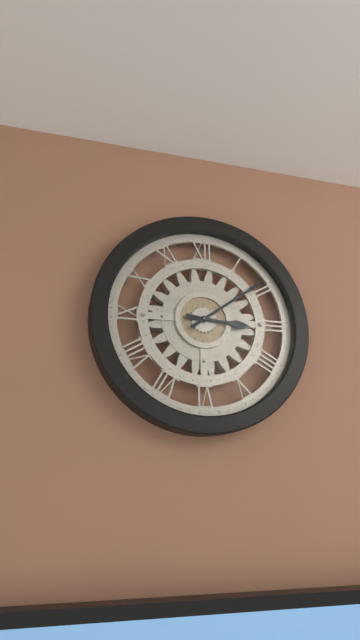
3.09
